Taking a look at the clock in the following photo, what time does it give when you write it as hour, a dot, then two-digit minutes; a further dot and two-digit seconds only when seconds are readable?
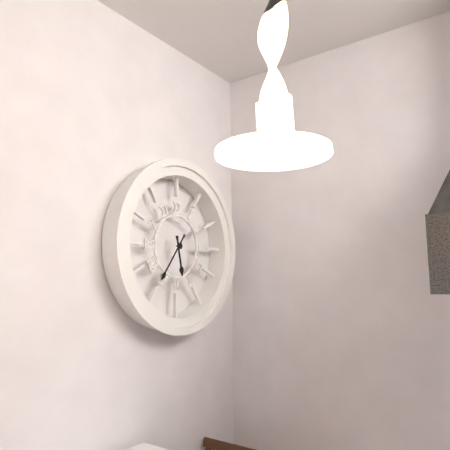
5.36
